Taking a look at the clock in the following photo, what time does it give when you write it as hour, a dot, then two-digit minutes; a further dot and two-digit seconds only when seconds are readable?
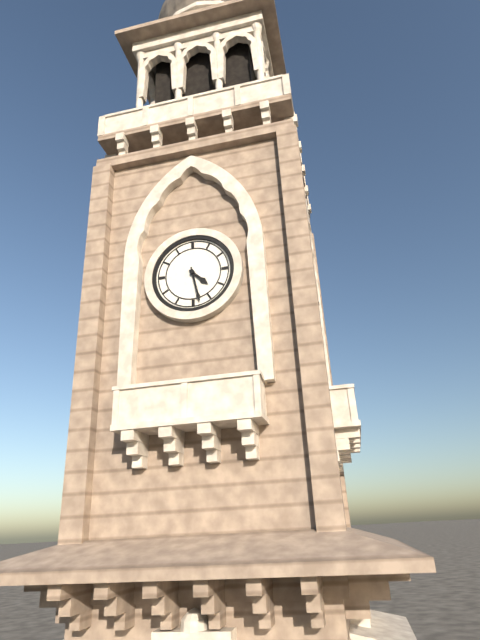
4.28
